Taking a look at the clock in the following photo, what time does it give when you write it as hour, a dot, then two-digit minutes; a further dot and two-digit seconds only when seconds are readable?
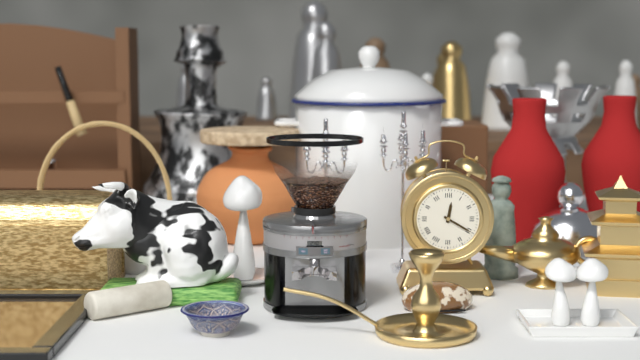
12.20
